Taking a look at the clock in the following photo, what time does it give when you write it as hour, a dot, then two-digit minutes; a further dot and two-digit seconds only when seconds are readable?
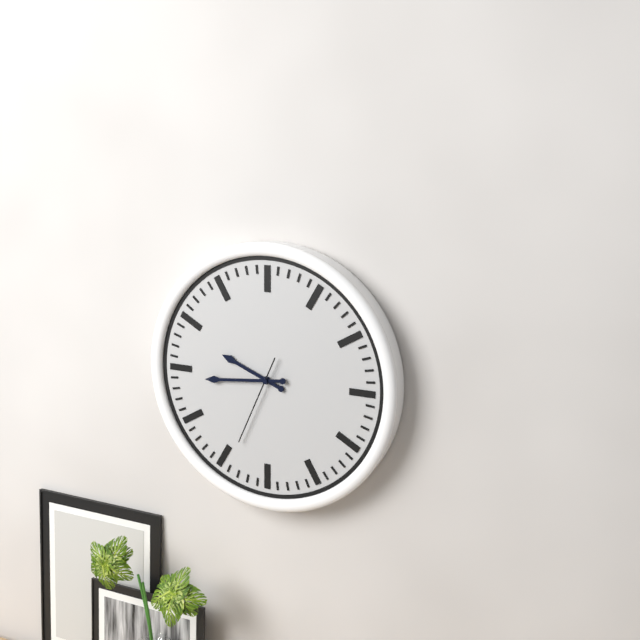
9.44.34
